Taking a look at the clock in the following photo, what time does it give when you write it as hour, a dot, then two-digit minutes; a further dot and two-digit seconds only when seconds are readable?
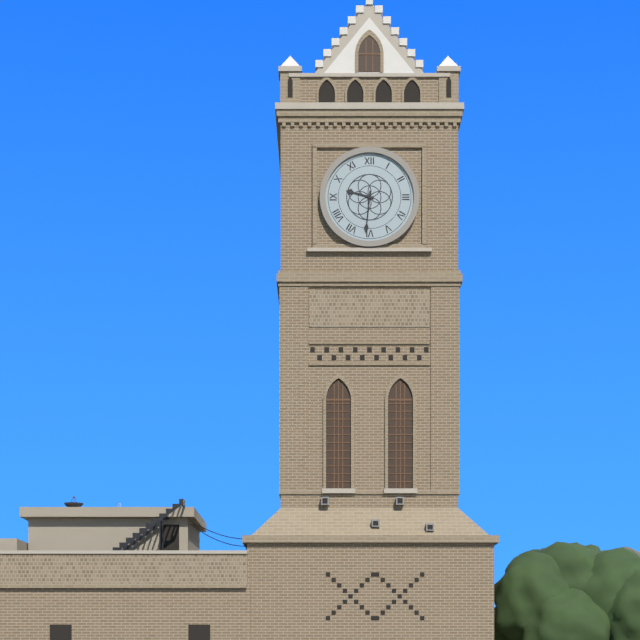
9.31
